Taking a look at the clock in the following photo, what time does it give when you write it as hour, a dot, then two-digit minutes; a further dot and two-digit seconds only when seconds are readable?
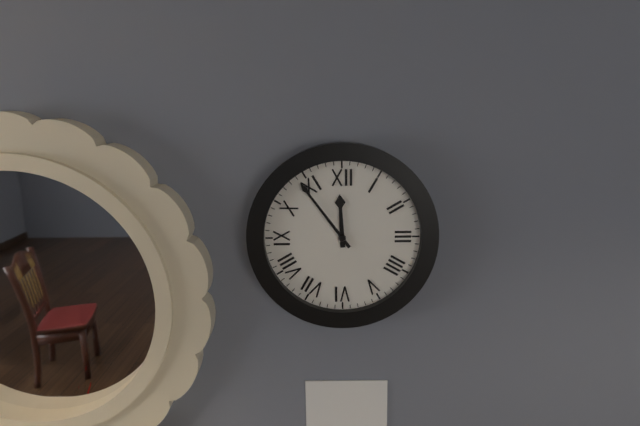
11.54
